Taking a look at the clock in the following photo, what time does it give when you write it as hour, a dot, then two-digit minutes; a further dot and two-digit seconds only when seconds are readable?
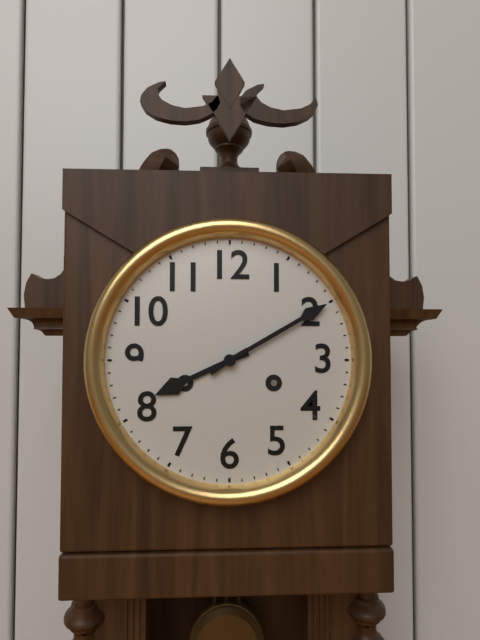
8.10
